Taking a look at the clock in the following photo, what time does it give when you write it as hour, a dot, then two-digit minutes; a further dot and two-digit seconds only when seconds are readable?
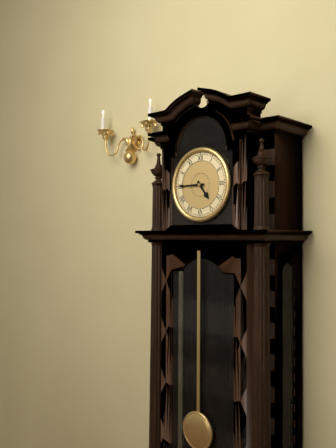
4.45
